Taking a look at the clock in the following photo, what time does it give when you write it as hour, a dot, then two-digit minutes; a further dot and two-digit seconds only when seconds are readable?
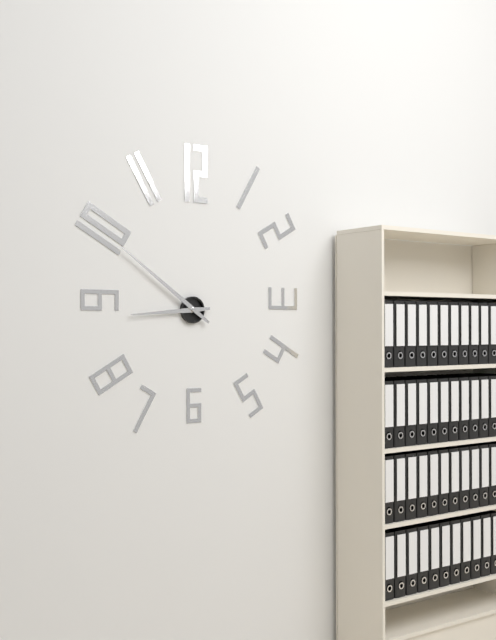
8.51
